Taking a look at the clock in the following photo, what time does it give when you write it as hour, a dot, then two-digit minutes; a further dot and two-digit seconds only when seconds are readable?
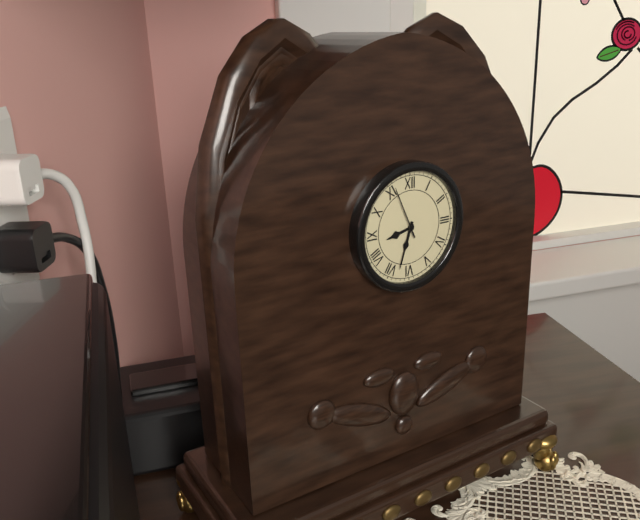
8.33
